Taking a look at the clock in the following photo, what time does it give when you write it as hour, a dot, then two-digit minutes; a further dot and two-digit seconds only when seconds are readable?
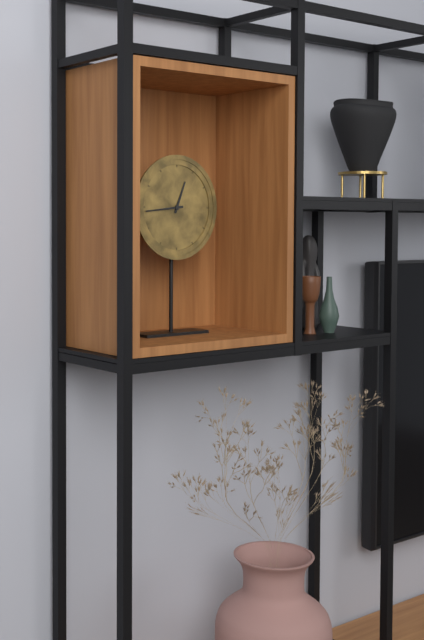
12.44
